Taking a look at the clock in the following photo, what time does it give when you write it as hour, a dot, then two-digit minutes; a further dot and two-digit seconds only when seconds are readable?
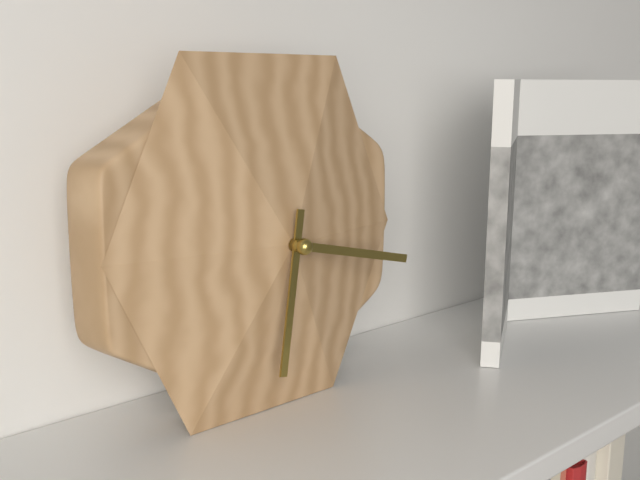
6.17
